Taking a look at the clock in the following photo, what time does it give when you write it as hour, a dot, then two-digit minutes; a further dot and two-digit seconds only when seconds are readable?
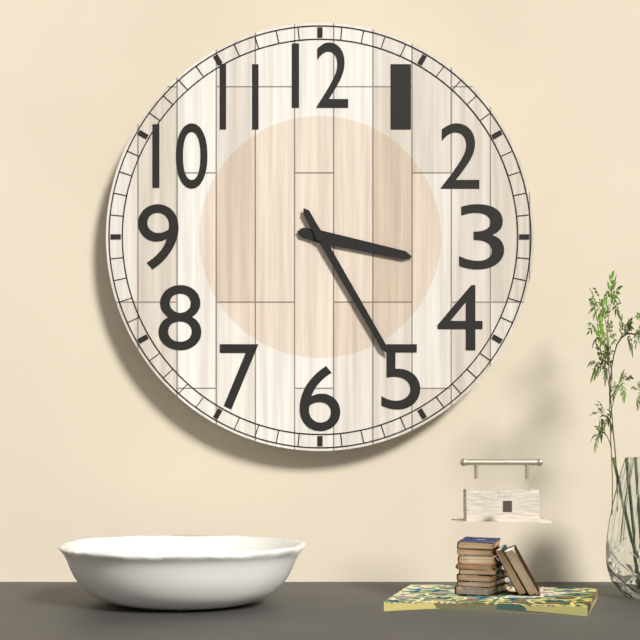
3.25
